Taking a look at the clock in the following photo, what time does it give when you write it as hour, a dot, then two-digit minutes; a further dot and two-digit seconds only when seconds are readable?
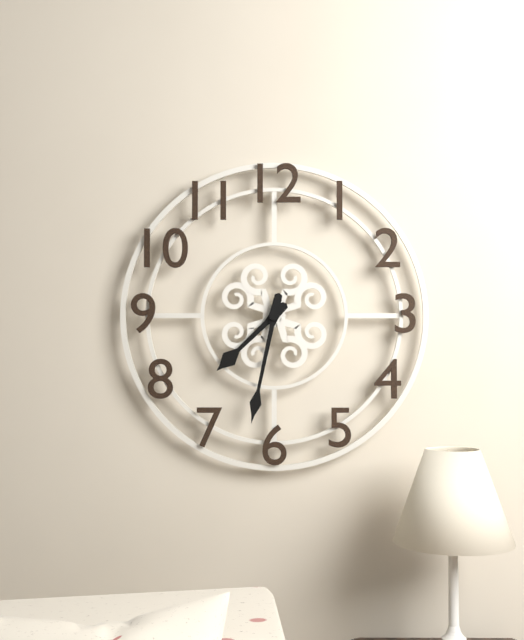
7.32
